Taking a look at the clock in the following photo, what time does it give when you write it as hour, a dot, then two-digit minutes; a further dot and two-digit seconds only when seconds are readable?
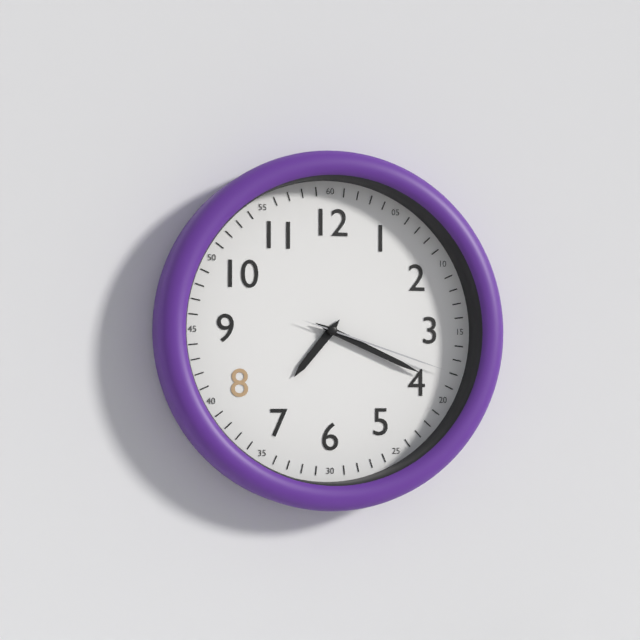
7.19.18
